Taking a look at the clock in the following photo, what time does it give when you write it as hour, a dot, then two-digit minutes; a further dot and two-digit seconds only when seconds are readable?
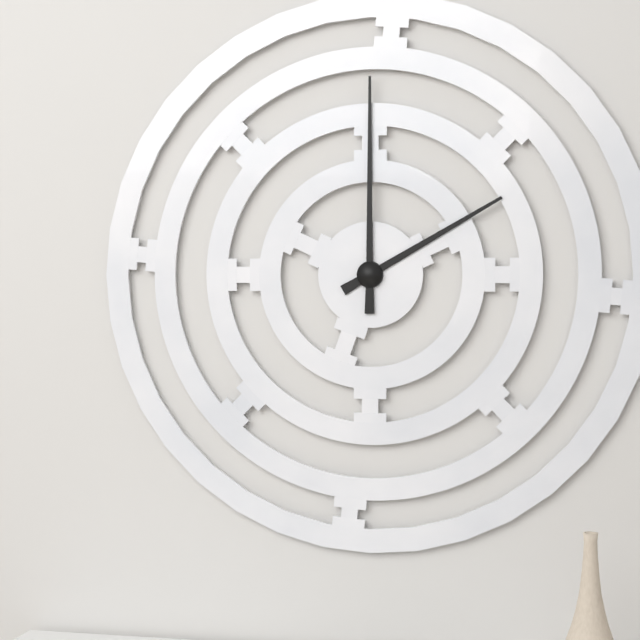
2.00
